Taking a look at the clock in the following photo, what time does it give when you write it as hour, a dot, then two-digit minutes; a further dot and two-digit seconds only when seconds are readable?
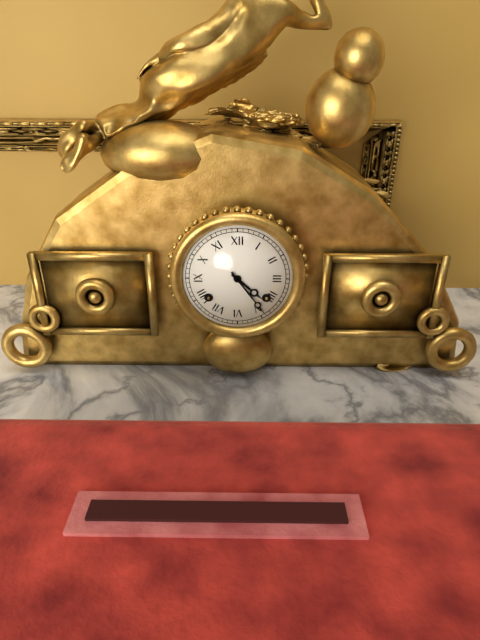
4.24
